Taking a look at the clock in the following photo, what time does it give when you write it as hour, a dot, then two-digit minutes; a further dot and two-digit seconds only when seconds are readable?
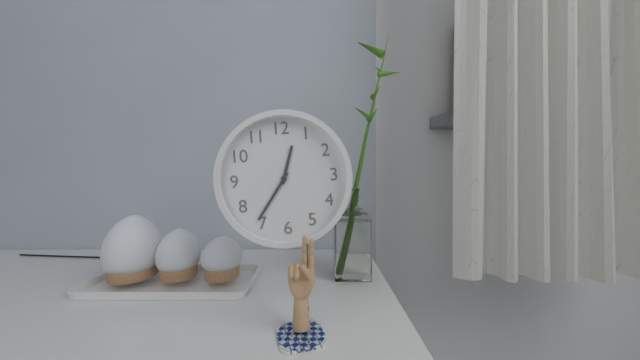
12.36
